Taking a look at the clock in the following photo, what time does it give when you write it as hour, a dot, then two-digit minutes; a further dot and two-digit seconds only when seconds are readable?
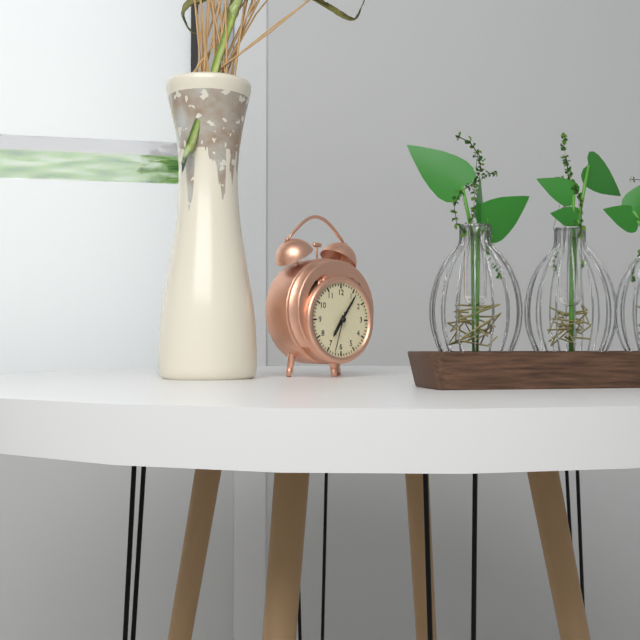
7.06
